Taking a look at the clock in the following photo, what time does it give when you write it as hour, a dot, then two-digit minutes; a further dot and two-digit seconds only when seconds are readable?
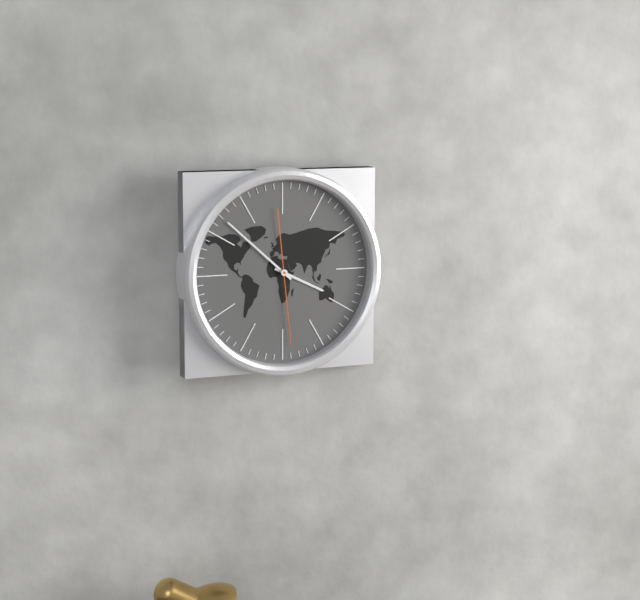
3.52.29
